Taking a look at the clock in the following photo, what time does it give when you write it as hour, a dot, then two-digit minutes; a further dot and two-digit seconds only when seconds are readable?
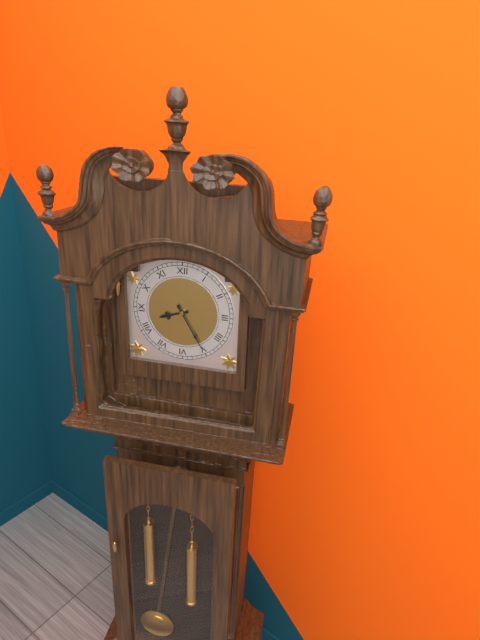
8.25
